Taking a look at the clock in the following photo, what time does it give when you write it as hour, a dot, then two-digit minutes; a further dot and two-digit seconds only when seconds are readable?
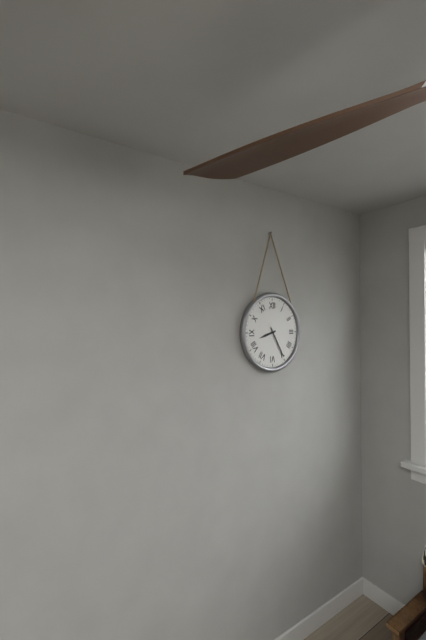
8.25
